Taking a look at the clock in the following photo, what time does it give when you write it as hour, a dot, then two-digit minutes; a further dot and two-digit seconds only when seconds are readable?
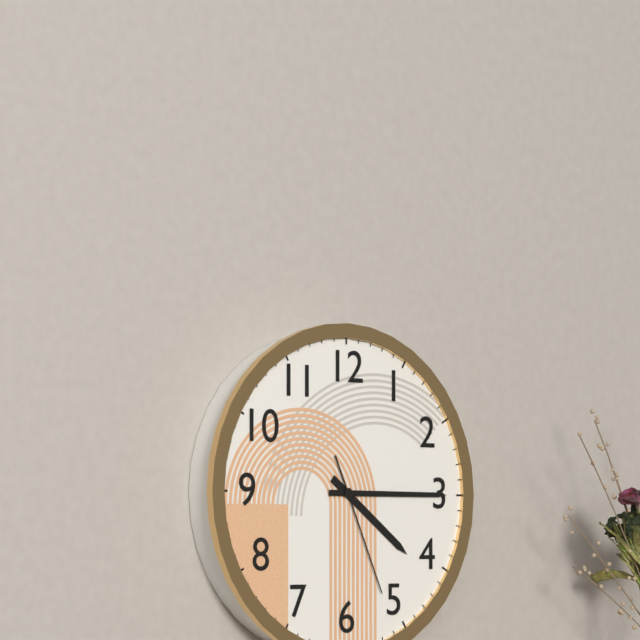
4.15.26
